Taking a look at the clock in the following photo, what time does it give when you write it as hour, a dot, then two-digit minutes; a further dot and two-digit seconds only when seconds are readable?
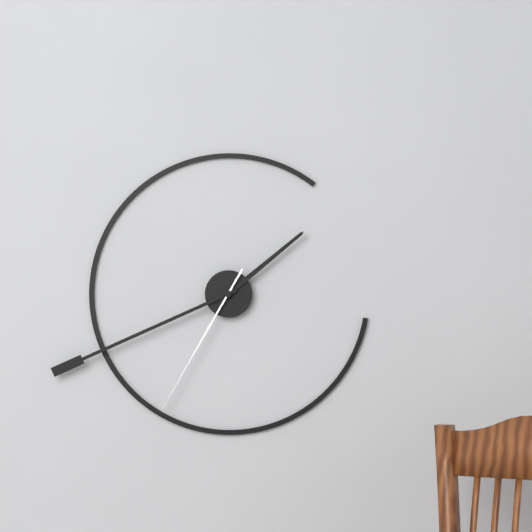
1.41.35
